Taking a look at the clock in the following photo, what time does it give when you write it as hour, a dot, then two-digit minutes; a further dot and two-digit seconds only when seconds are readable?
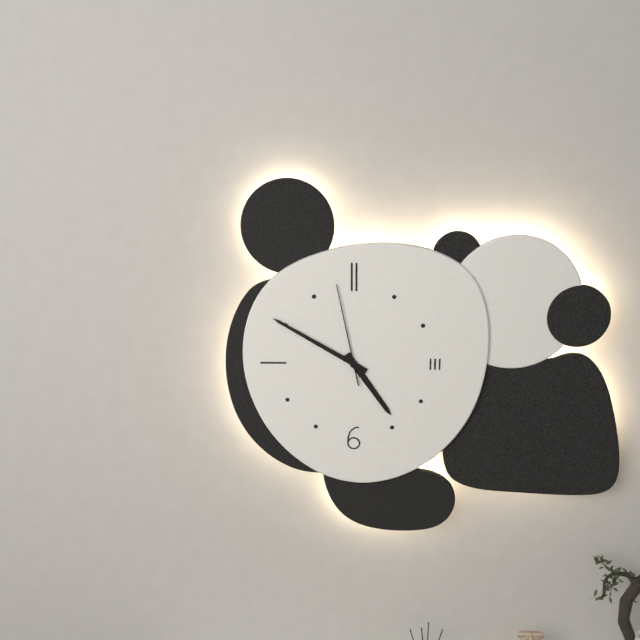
4.50.58
